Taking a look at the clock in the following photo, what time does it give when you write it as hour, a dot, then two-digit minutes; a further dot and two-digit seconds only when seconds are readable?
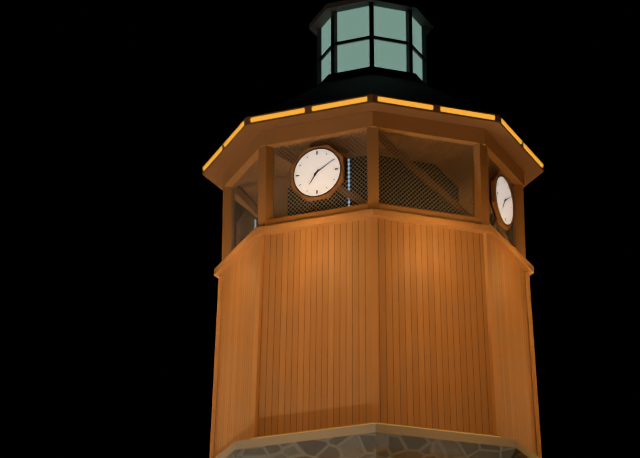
7.10
